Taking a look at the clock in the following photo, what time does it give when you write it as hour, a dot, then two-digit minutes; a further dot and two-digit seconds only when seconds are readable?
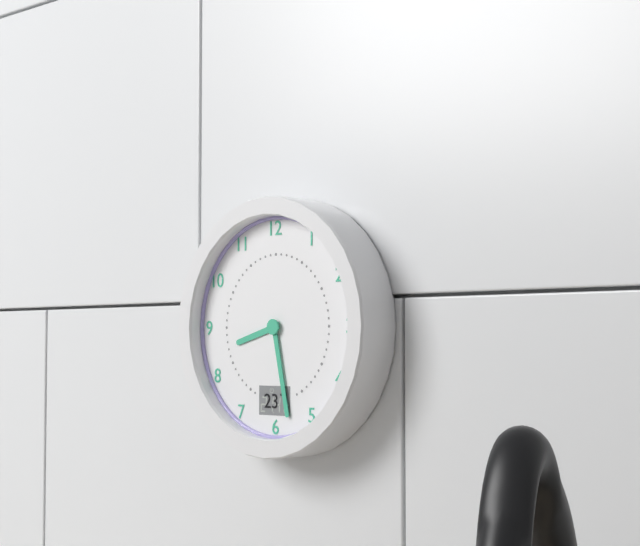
8.28
